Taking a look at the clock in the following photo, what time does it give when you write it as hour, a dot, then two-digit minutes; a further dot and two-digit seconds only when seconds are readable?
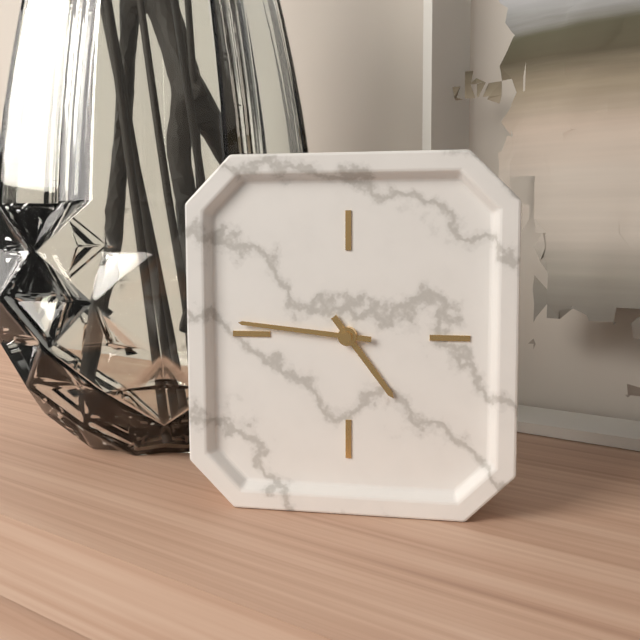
4.46
